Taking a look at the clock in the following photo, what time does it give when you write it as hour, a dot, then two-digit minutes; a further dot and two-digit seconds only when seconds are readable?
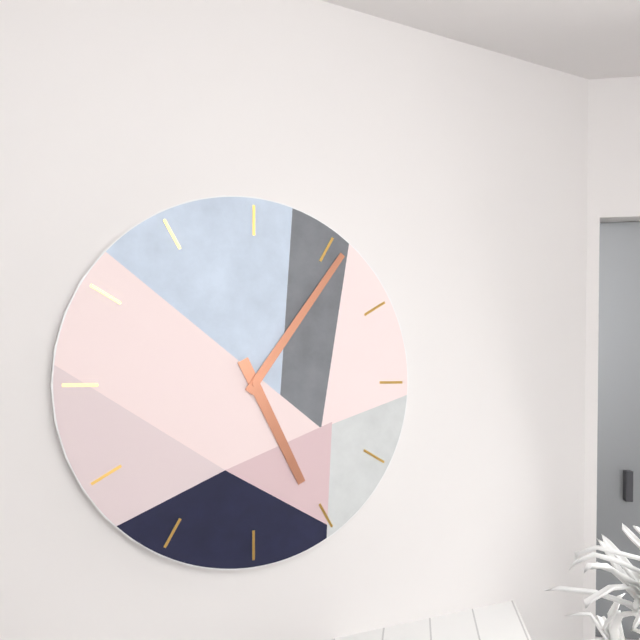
5.06
